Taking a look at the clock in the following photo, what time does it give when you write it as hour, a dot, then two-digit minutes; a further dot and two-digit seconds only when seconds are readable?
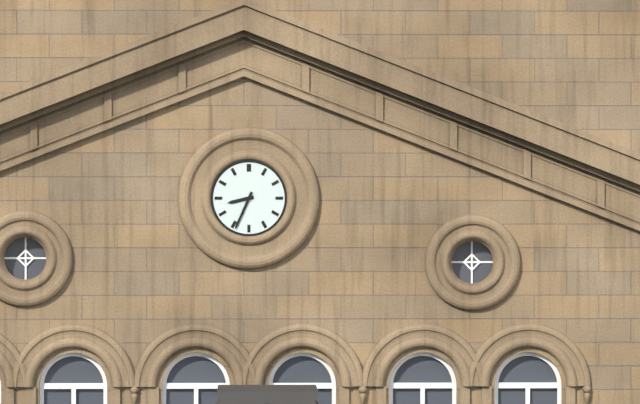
8.34
